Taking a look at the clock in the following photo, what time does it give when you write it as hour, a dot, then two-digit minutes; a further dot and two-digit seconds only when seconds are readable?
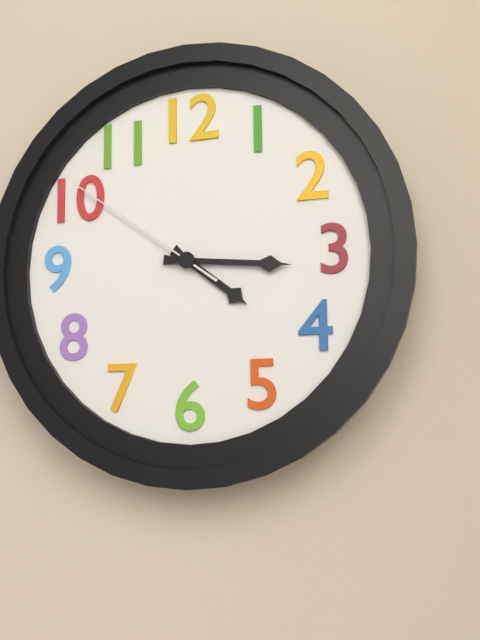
4.16.51
